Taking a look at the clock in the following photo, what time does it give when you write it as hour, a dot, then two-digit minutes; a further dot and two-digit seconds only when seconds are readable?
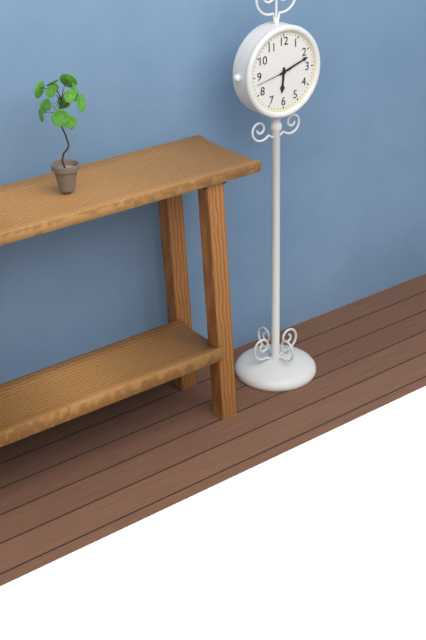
6.12
